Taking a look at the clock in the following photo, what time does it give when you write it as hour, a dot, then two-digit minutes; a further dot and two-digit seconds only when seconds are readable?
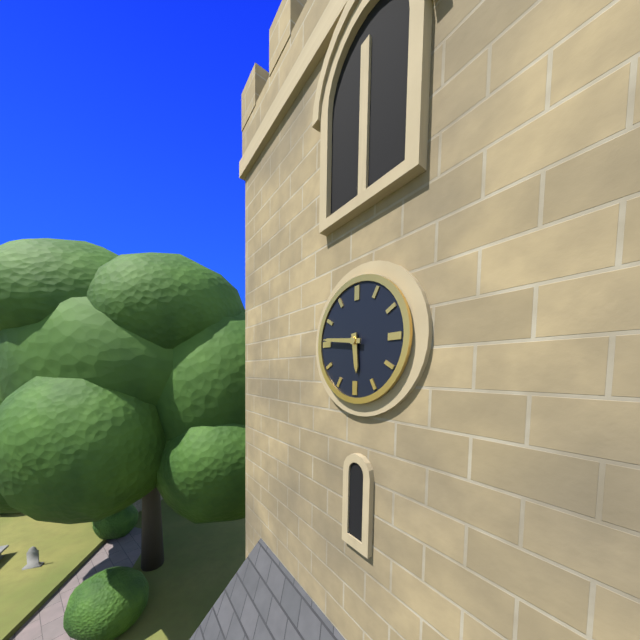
5.46
